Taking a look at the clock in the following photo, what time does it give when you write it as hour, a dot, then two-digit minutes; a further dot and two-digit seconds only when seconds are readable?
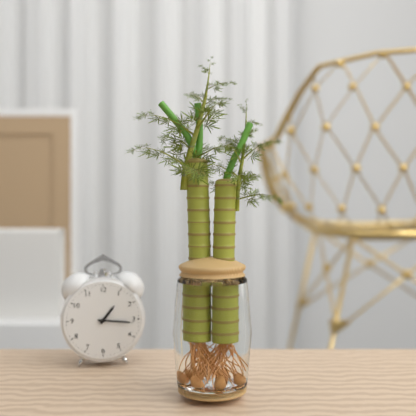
1.16
